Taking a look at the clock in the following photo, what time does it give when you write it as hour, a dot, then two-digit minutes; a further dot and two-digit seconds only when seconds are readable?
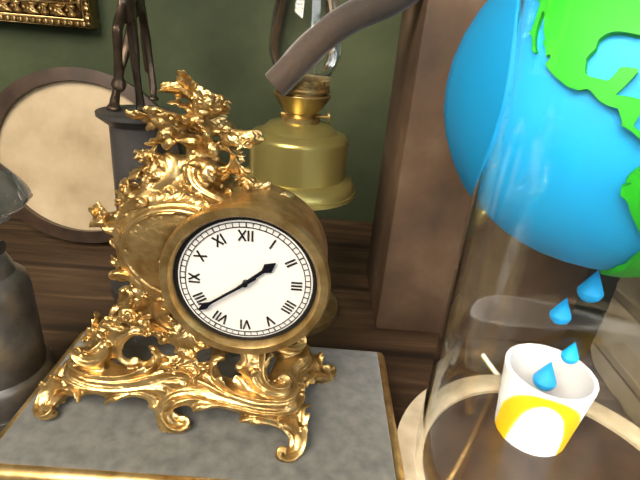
1.39
